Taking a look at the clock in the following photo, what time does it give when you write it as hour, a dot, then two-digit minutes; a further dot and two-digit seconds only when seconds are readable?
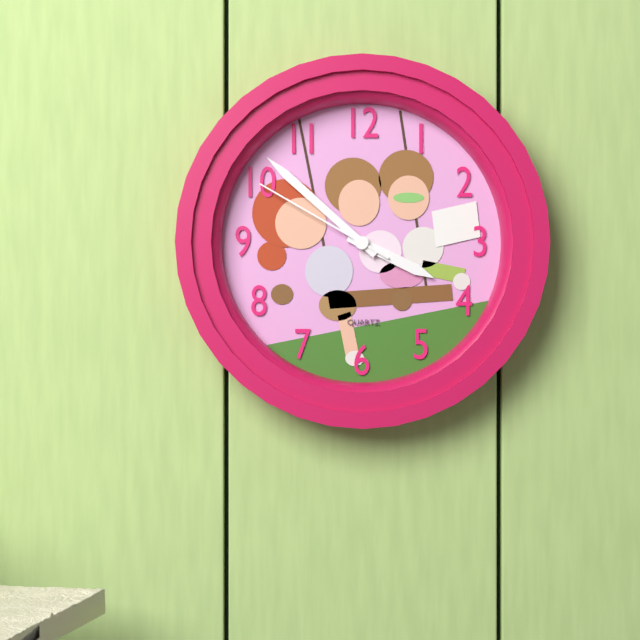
3.52.50
